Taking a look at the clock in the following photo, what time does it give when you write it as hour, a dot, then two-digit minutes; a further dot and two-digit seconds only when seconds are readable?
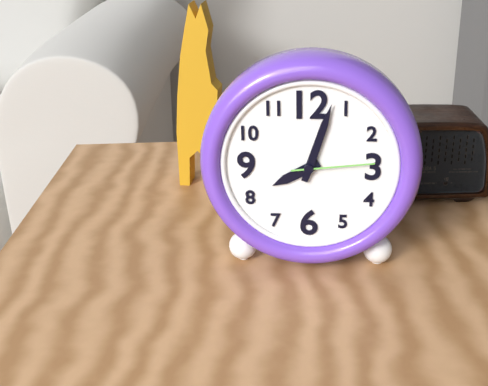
8.03.14
